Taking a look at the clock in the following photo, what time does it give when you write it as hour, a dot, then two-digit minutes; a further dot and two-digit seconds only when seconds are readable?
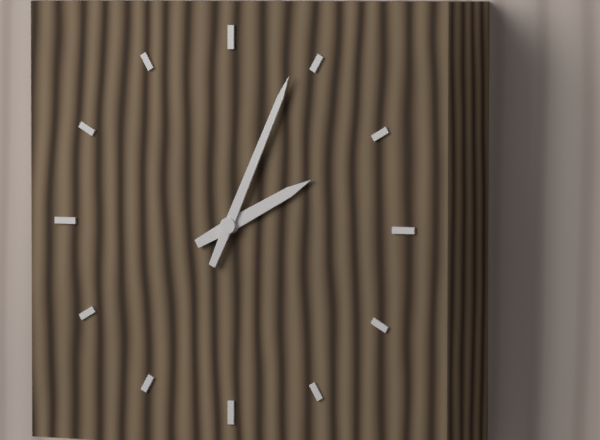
2.04
